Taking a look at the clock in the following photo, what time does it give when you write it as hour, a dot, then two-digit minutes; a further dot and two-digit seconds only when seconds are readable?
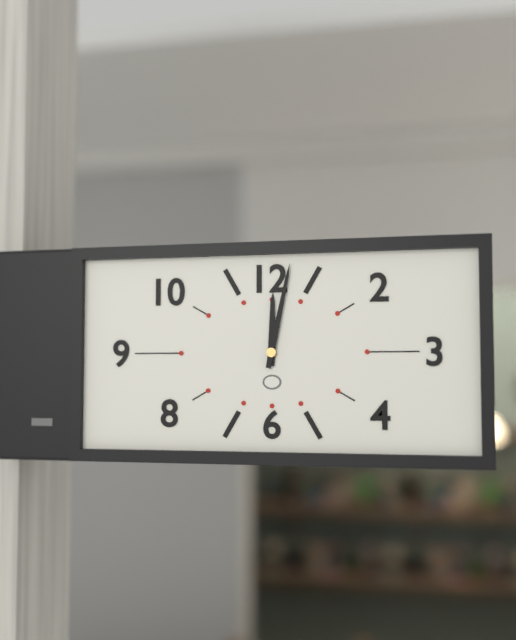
12.02
